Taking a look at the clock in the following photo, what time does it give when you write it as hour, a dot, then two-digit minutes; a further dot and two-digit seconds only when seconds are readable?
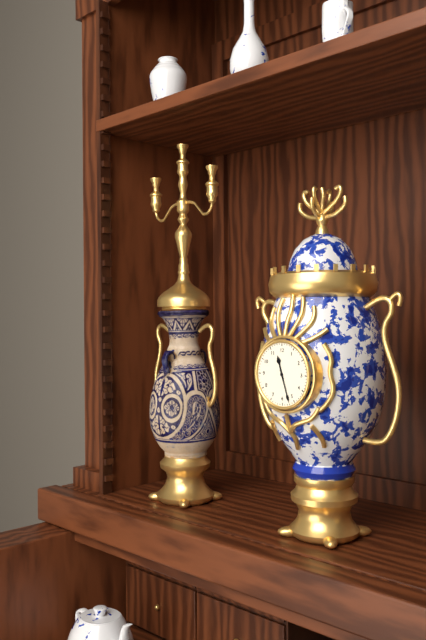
11.27
